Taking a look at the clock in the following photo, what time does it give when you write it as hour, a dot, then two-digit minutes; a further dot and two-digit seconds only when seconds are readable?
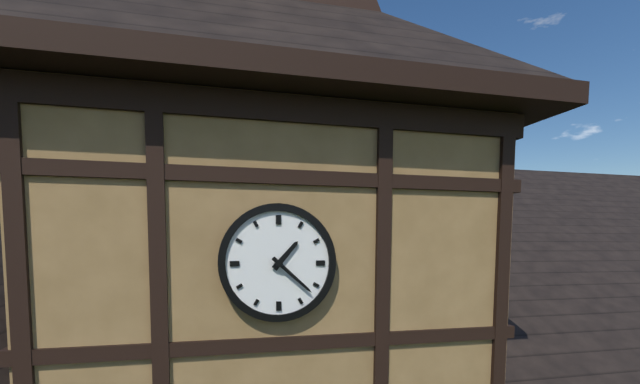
1.22
